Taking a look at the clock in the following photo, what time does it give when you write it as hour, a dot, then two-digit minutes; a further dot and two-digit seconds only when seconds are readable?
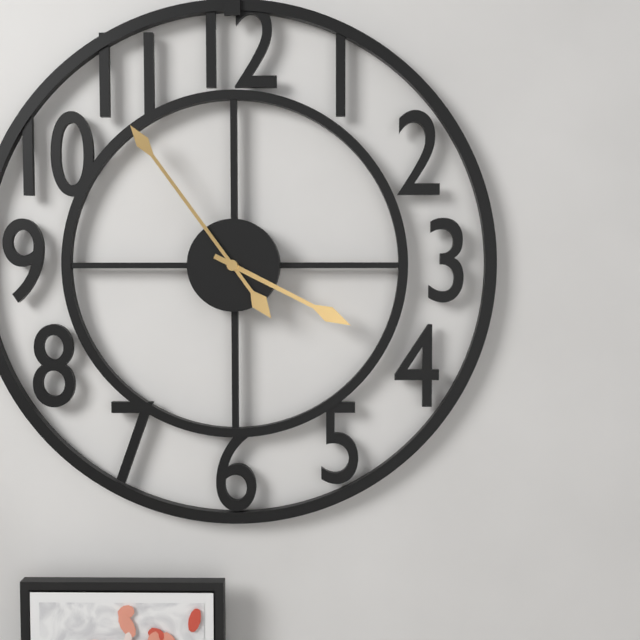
3.54
